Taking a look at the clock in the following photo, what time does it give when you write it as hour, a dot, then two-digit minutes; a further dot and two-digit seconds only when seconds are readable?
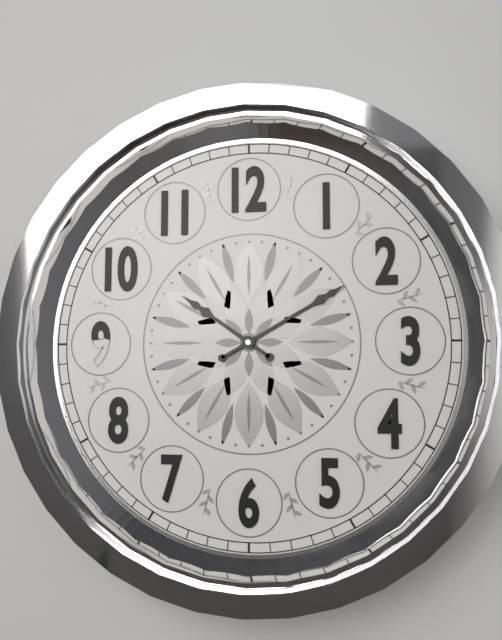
10.10
